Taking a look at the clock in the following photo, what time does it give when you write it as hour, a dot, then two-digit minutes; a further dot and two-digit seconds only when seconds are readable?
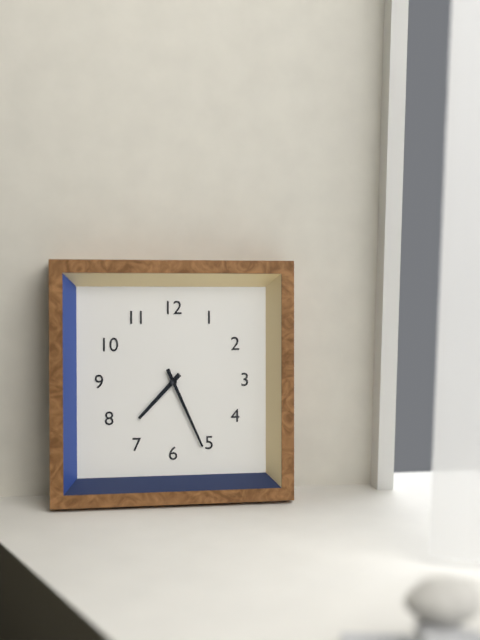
7.26
